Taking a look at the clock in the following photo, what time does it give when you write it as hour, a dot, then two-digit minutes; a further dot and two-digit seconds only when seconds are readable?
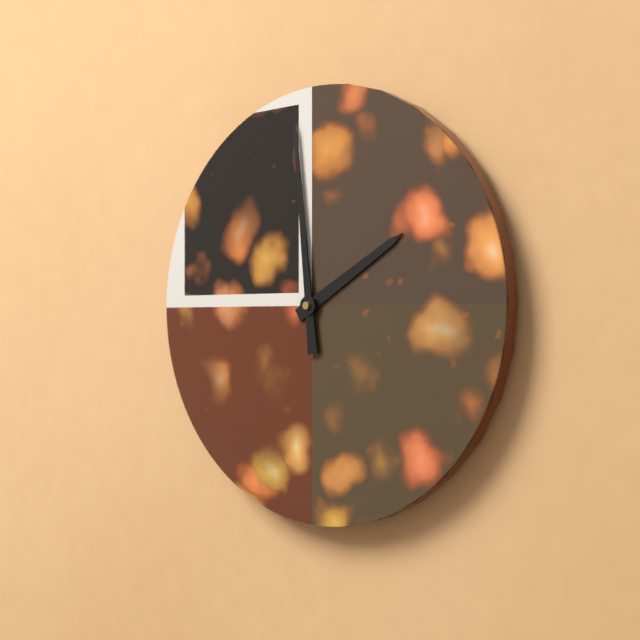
1.59
